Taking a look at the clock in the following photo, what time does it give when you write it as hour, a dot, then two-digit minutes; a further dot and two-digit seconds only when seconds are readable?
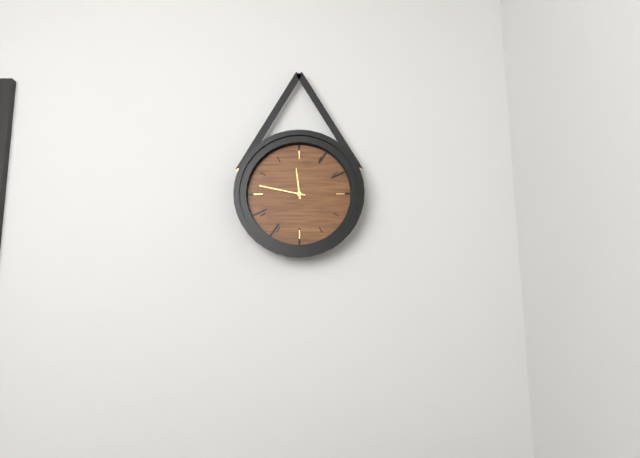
11.47
